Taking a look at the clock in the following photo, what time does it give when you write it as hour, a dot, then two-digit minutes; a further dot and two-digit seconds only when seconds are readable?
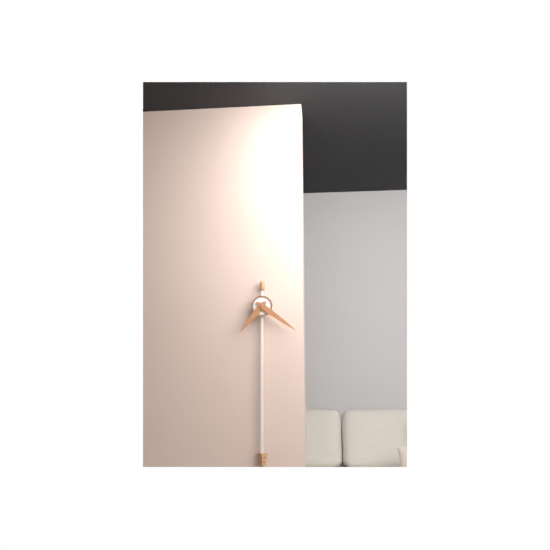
7.21
